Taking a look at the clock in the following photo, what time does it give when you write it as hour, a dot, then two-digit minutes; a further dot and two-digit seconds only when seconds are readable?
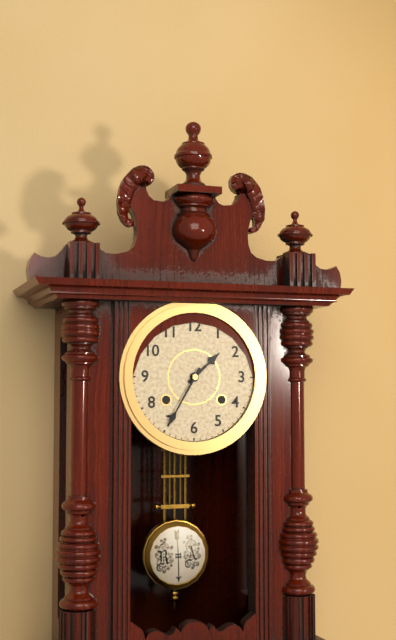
1.35
